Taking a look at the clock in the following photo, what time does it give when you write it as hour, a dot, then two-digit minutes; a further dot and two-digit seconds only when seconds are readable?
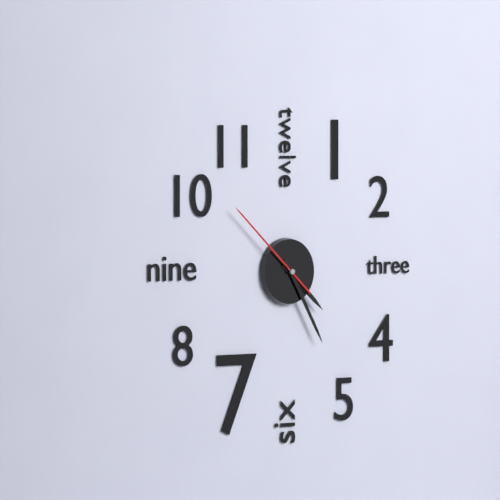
4.25.52
